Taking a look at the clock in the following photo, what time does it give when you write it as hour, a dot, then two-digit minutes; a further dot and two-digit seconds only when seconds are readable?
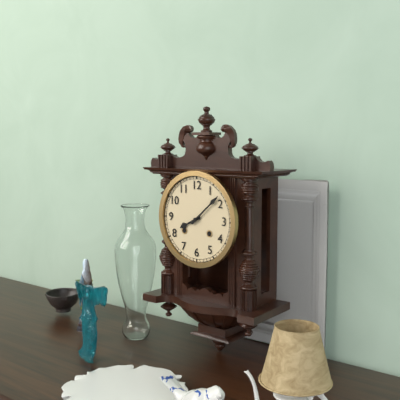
8.08
